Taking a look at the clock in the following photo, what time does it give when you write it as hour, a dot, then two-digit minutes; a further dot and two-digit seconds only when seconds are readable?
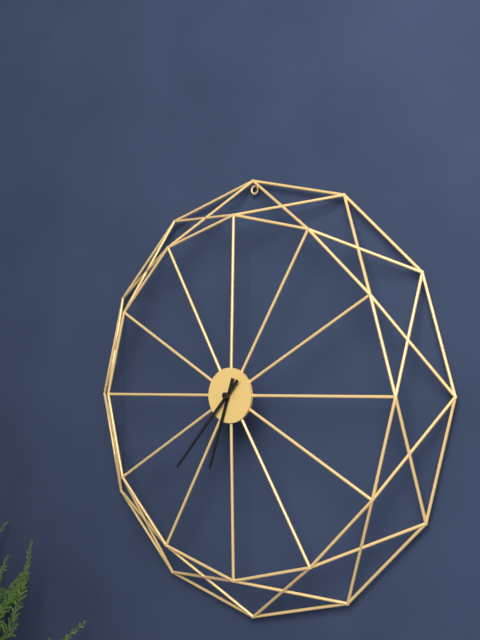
6.37
